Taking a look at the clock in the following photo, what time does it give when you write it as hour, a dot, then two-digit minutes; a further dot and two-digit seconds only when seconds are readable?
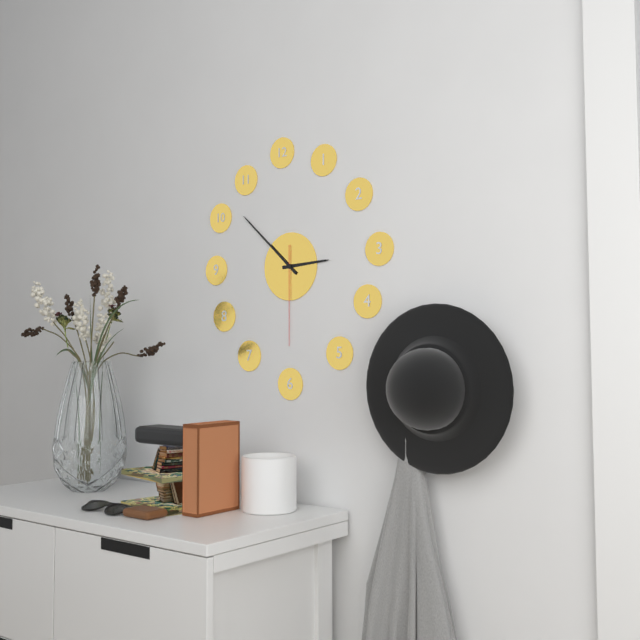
2.52.30
